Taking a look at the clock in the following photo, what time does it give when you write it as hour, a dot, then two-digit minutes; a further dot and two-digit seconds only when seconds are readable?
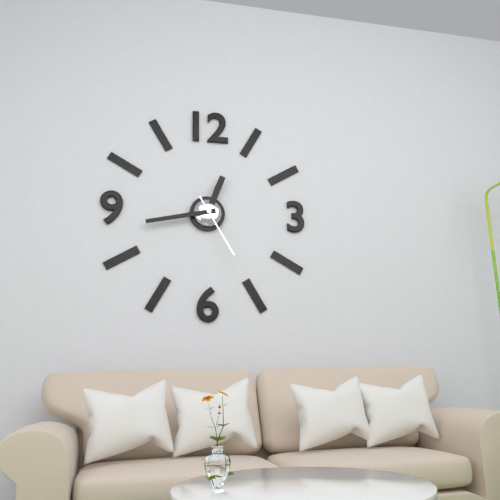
12.43.25
